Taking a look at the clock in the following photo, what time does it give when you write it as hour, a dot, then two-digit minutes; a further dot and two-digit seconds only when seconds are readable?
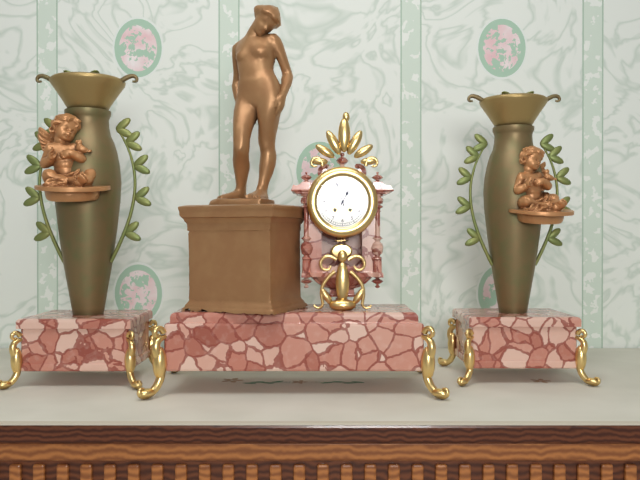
12.57
